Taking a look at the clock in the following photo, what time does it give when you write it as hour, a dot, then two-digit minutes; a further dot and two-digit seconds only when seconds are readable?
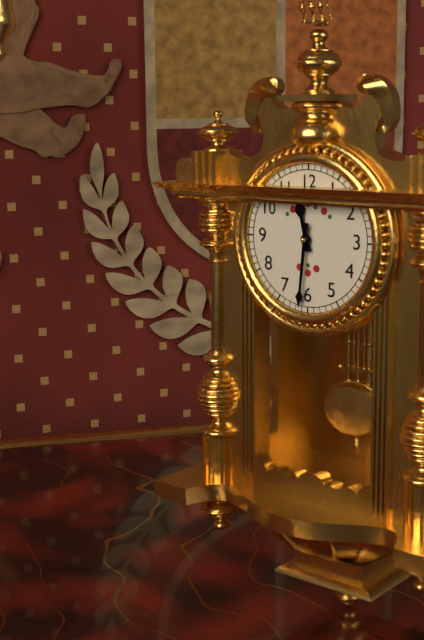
11.31
